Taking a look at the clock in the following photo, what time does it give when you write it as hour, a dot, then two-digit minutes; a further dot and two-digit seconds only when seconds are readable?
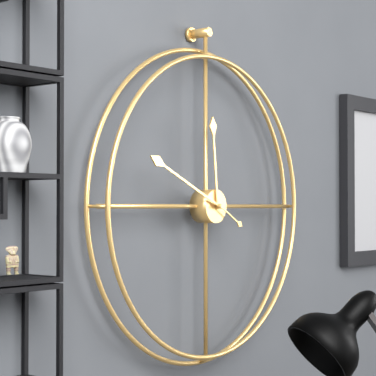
11.49
